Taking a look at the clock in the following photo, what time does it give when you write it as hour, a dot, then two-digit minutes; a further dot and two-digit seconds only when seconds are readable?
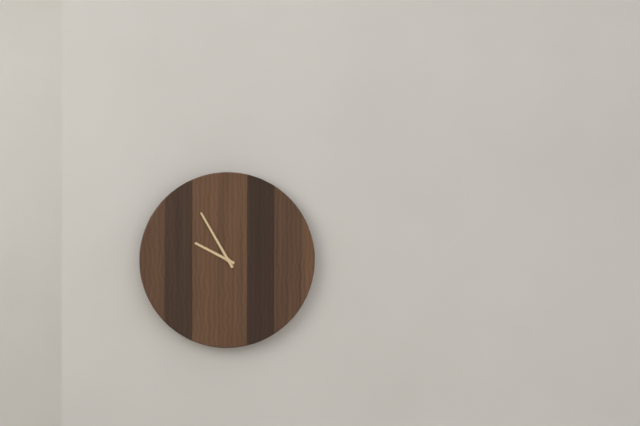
9.55
